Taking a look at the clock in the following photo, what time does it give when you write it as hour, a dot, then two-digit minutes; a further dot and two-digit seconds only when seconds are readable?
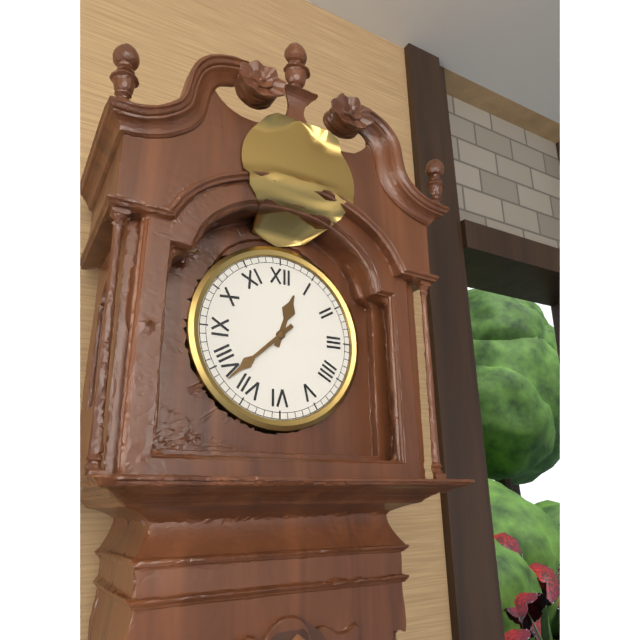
12.38
